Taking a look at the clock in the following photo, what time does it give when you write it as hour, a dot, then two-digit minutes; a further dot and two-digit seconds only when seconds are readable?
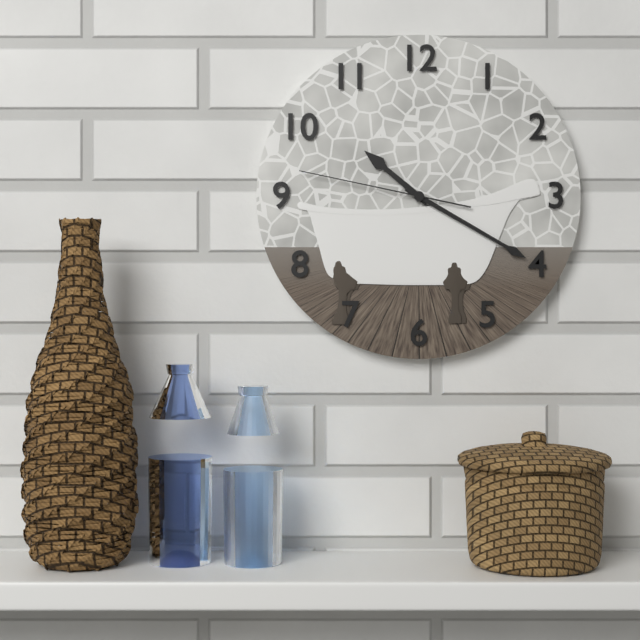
10.20.47
